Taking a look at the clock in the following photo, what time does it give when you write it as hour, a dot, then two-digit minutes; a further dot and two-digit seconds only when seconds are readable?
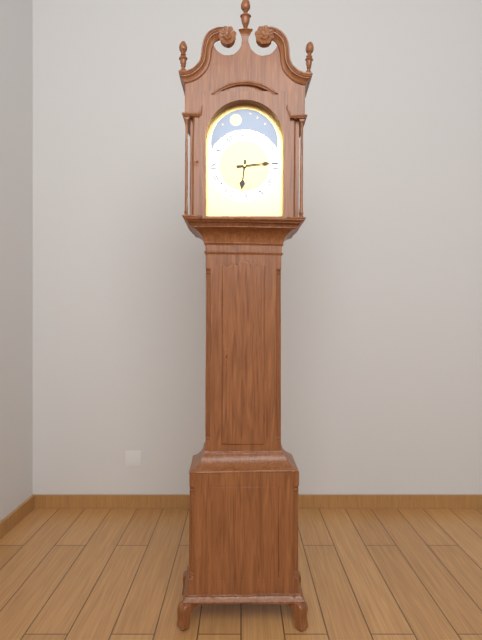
6.14
